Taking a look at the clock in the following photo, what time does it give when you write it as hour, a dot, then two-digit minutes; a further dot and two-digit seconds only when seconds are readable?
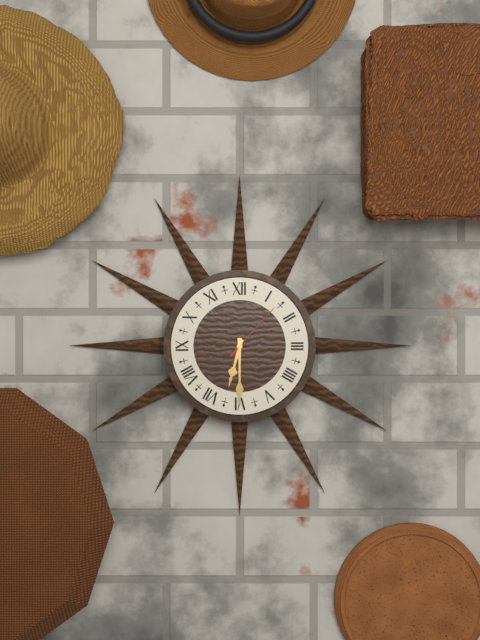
6.30.07
